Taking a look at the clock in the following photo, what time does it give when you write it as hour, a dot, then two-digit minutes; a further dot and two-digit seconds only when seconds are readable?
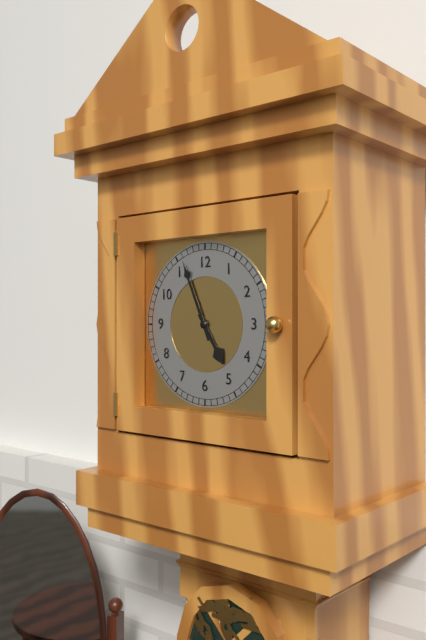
4.56
